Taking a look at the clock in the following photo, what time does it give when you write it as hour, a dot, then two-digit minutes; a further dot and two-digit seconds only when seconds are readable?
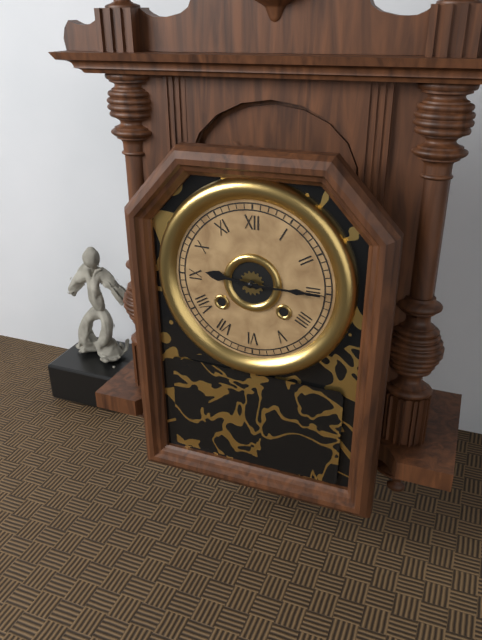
9.15
